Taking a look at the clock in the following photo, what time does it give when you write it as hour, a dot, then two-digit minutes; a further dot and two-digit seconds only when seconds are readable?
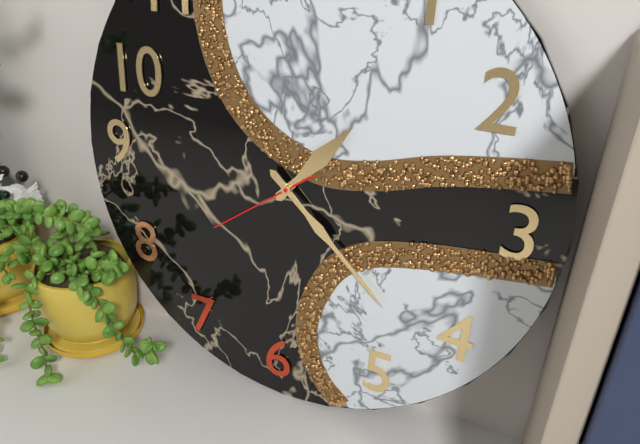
1.22.39
